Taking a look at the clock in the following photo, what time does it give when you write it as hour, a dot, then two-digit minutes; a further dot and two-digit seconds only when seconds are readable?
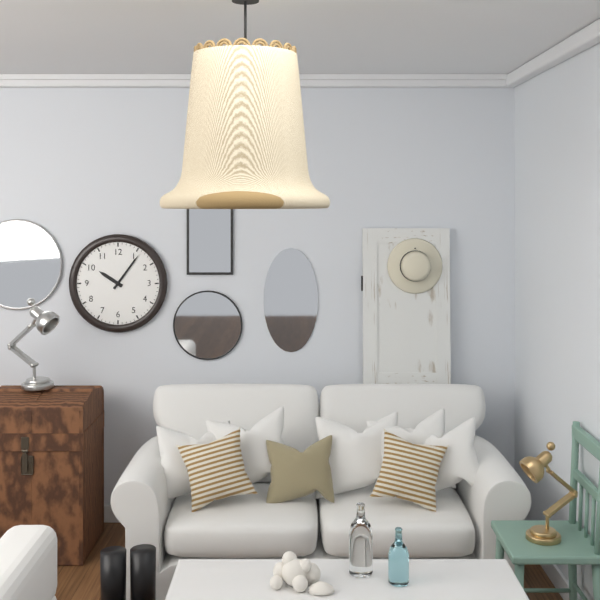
10.06
